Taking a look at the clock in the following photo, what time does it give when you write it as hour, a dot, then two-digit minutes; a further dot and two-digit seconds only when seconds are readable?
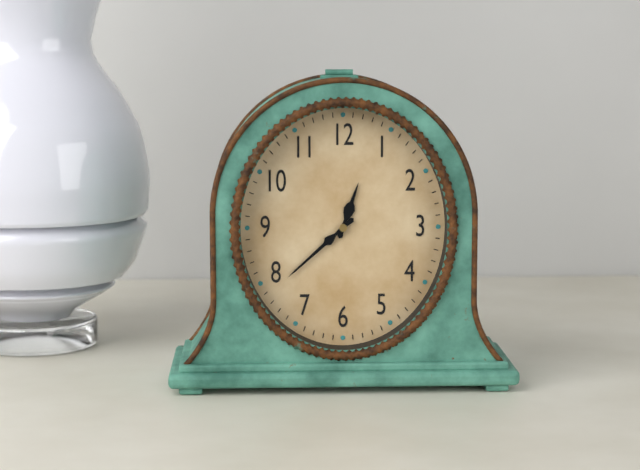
12.38
